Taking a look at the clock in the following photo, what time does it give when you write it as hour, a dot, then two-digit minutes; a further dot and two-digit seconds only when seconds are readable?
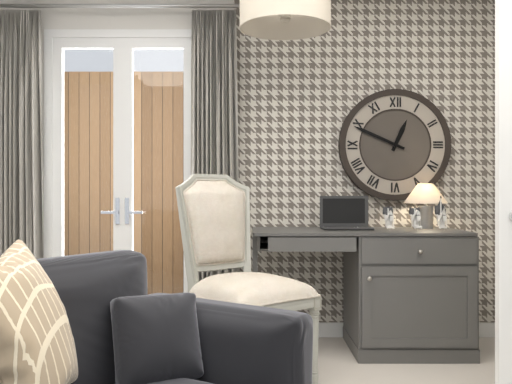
12.49
